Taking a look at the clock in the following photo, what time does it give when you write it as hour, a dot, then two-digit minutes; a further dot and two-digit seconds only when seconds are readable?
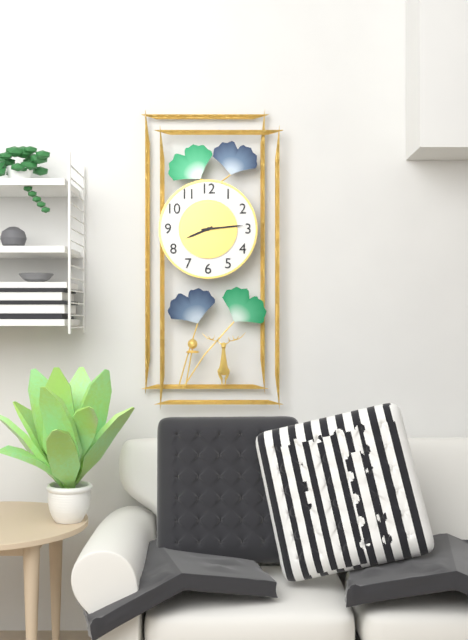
8.14
